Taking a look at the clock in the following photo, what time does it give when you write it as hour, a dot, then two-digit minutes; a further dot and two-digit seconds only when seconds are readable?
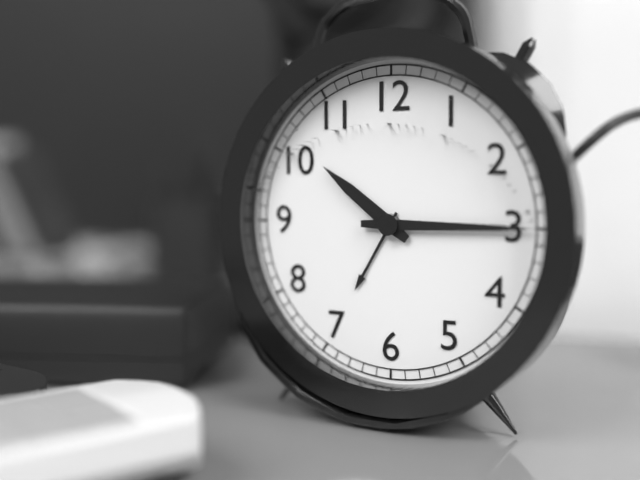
10.15
